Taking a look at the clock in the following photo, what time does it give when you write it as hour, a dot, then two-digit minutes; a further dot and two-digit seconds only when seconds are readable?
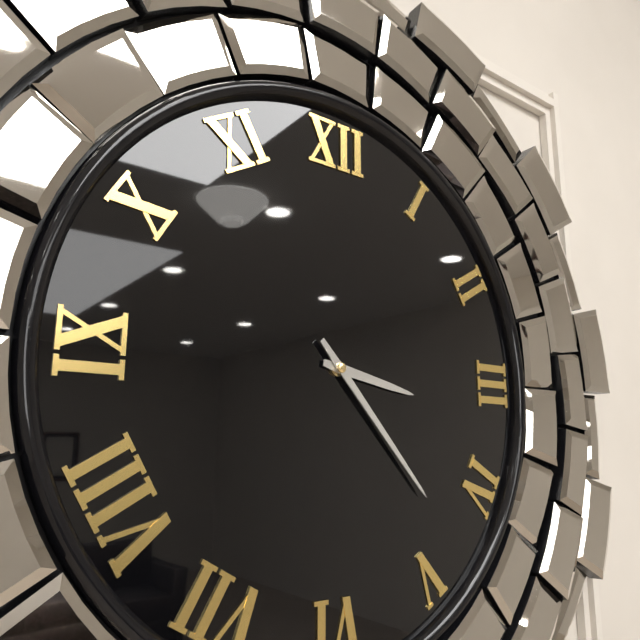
3.23
